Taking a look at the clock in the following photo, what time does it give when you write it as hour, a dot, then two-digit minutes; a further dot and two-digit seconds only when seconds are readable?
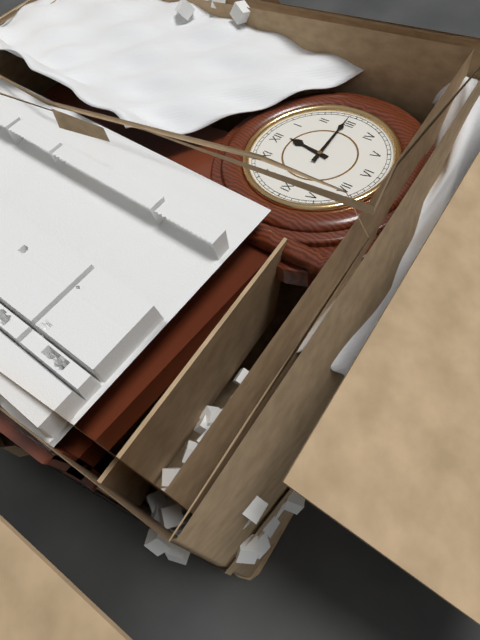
12.14
